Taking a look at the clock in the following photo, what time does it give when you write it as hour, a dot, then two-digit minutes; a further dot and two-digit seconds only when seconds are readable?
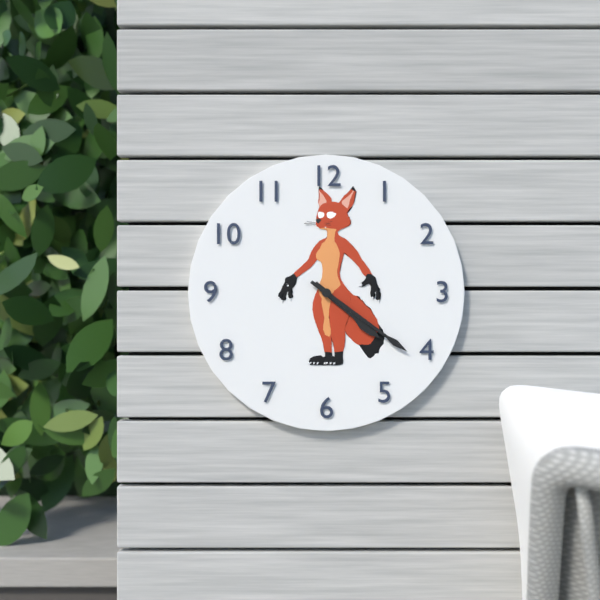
4.21
